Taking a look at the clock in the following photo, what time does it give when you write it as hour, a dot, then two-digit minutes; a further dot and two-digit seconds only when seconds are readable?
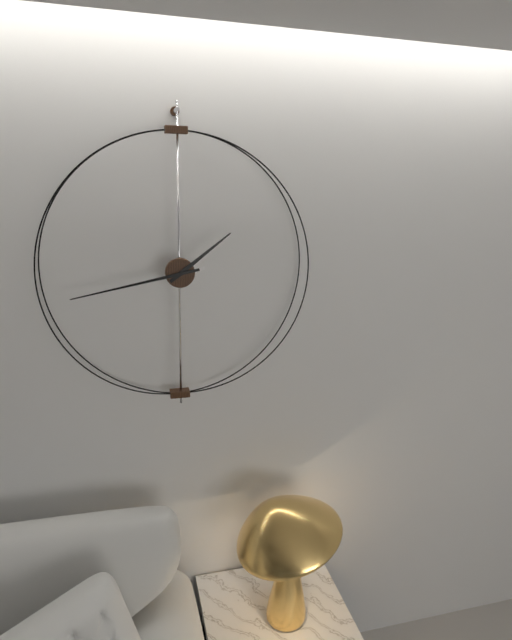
1.43
